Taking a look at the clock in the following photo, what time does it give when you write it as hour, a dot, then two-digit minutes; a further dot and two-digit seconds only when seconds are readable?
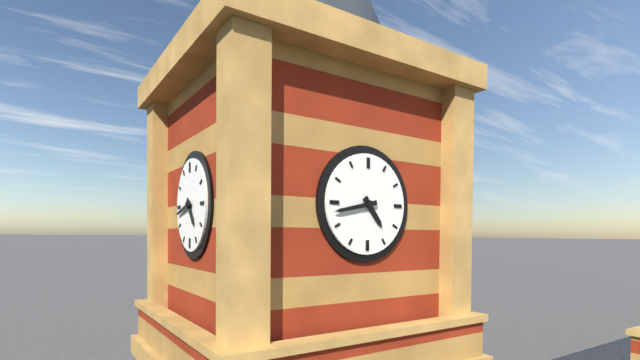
4.43
